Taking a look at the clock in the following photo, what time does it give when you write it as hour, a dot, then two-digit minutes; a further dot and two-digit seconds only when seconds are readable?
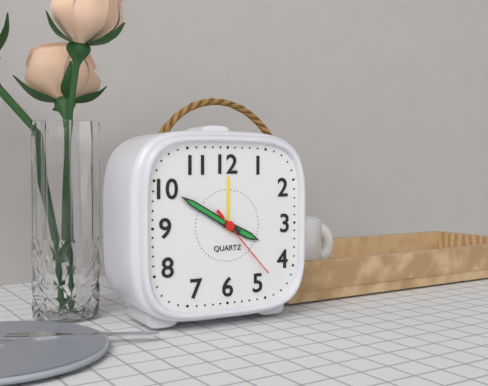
3.50.23
